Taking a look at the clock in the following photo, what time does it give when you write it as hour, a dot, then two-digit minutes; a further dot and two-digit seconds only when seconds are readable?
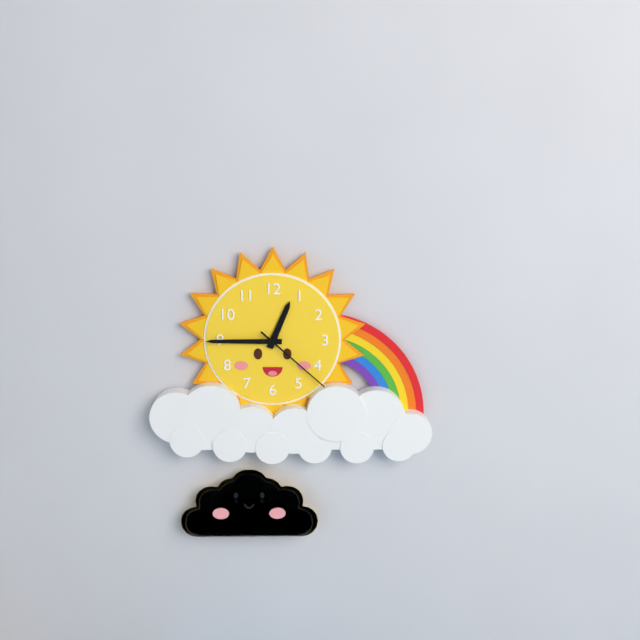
12.45.22
